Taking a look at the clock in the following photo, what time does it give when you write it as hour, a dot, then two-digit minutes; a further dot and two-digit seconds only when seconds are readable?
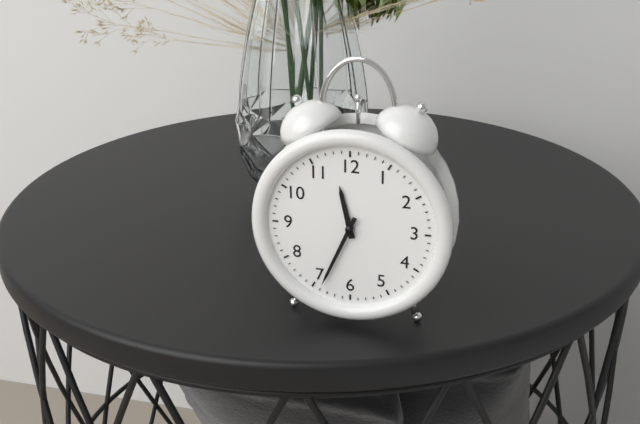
11.34
